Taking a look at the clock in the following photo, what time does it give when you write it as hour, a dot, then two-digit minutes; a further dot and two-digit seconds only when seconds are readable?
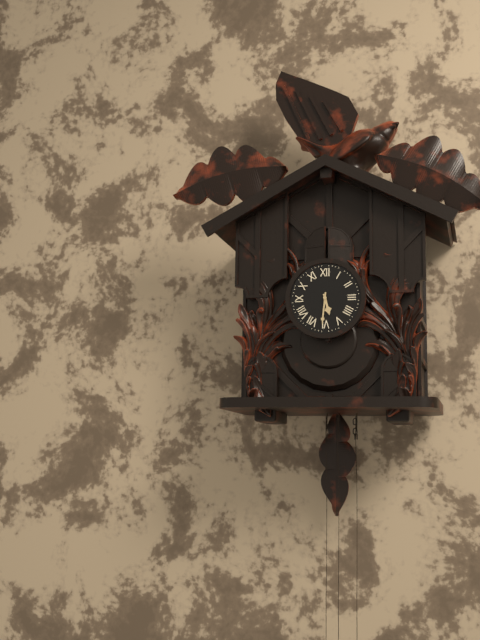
5.31
